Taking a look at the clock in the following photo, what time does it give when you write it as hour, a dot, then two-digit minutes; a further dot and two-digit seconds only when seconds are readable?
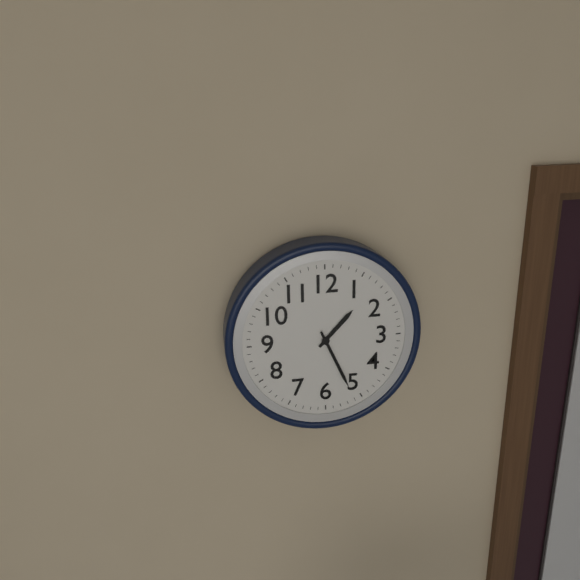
1.26
